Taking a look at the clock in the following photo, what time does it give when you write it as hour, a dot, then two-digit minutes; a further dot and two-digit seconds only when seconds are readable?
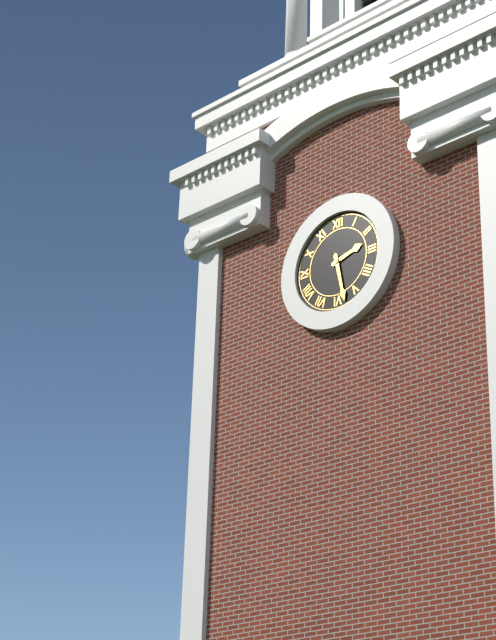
2.28
